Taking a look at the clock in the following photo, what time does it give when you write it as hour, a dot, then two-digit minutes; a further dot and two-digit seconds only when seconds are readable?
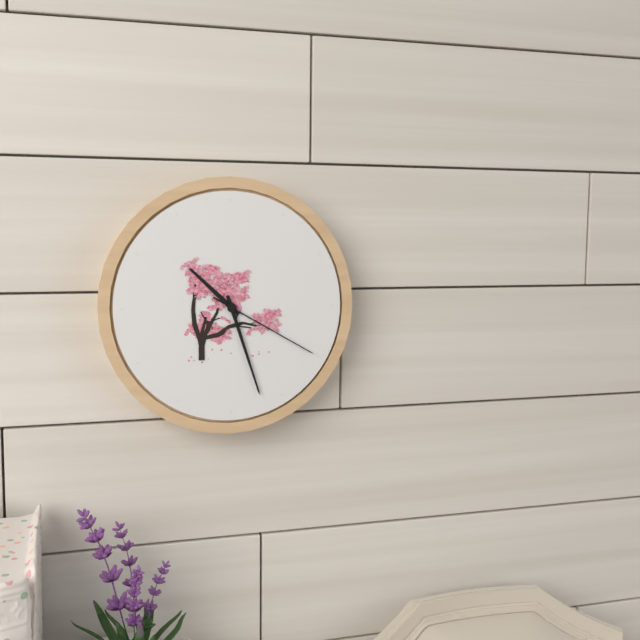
10.27.20
